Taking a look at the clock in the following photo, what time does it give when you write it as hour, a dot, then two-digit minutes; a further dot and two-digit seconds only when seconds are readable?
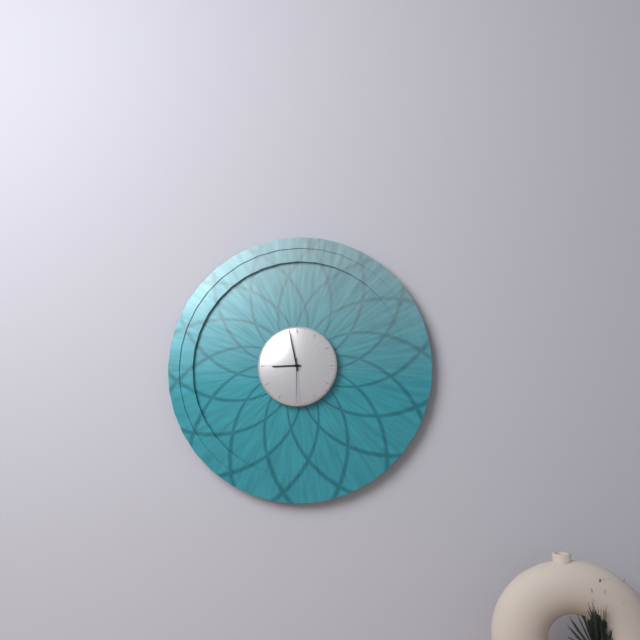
8.58
